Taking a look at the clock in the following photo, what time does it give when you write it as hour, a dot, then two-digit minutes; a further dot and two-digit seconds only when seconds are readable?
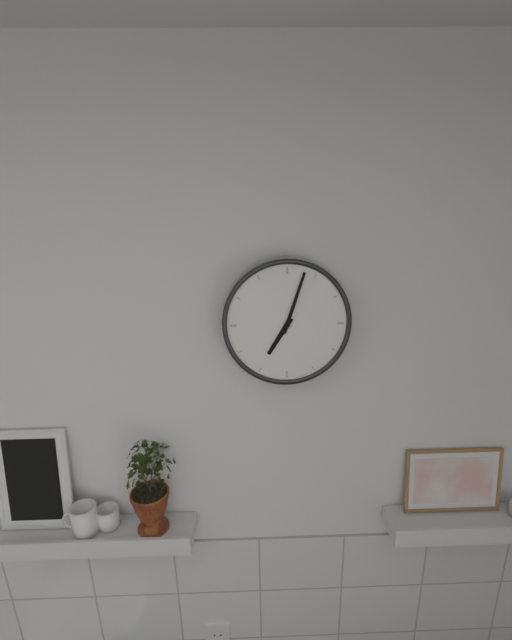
7.03
